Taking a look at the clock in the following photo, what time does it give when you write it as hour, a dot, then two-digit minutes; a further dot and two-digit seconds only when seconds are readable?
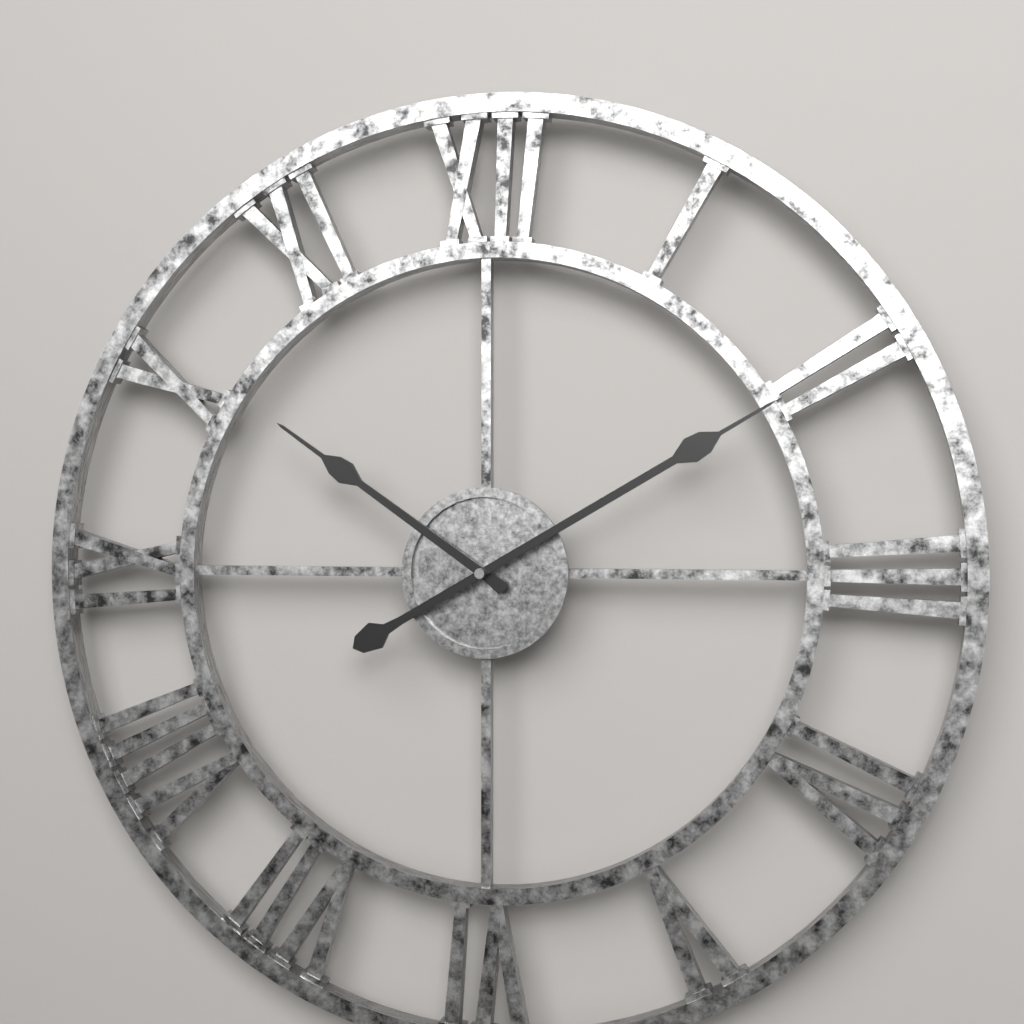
10.10
